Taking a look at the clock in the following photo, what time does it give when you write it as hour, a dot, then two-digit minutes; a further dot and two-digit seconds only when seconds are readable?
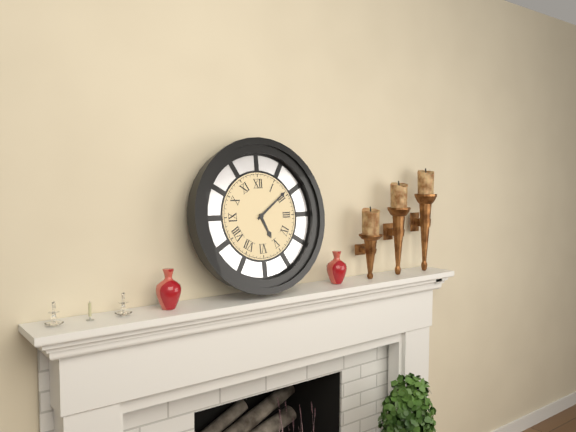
5.09
